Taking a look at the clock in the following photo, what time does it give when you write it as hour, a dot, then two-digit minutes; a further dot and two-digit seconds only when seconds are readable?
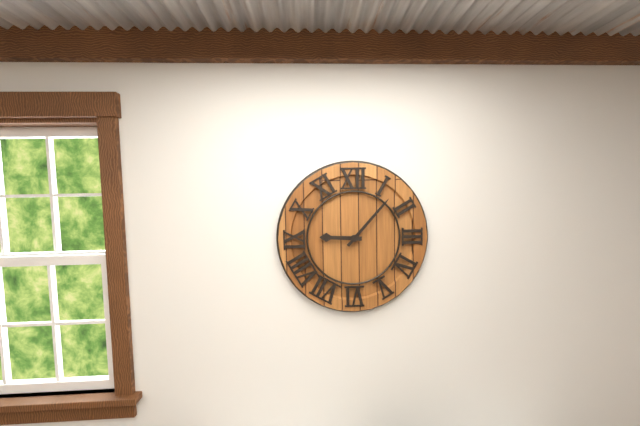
9.07
